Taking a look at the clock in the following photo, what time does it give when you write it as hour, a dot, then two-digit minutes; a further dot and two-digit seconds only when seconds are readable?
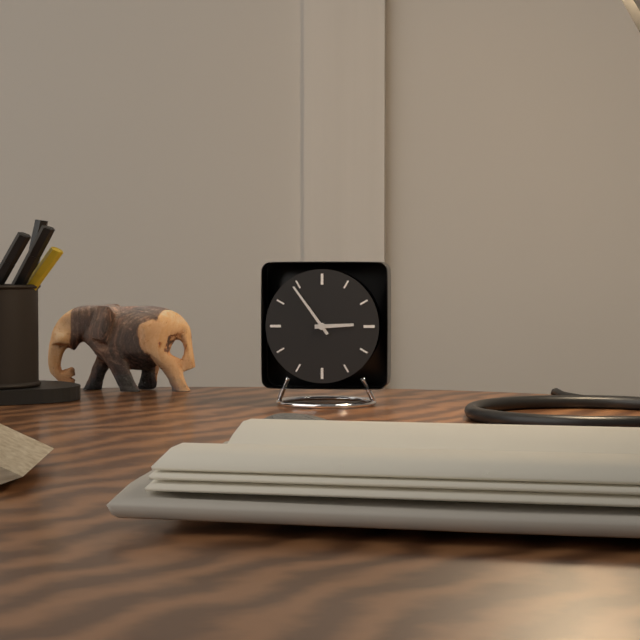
2.54
